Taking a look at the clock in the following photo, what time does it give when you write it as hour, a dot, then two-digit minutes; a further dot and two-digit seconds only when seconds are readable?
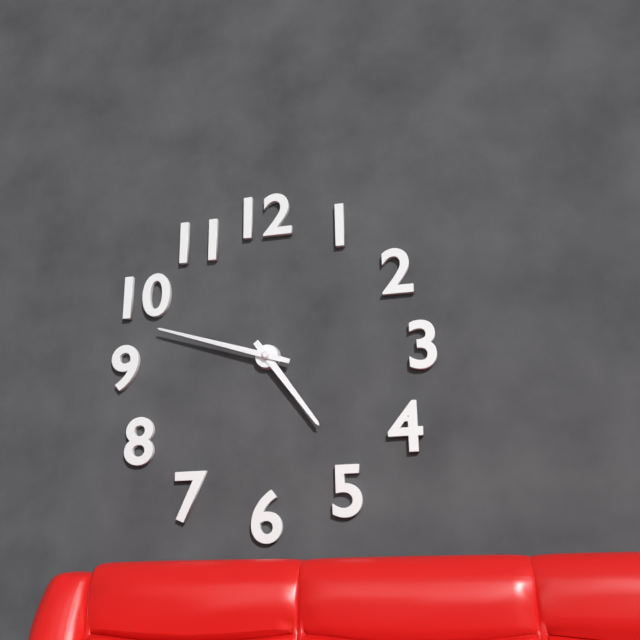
4.48
